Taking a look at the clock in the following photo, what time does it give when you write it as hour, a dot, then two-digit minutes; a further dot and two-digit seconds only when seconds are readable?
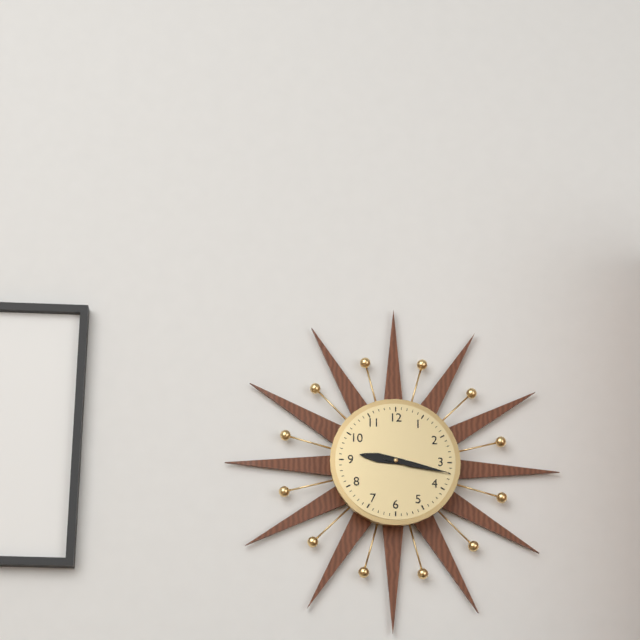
9.17
